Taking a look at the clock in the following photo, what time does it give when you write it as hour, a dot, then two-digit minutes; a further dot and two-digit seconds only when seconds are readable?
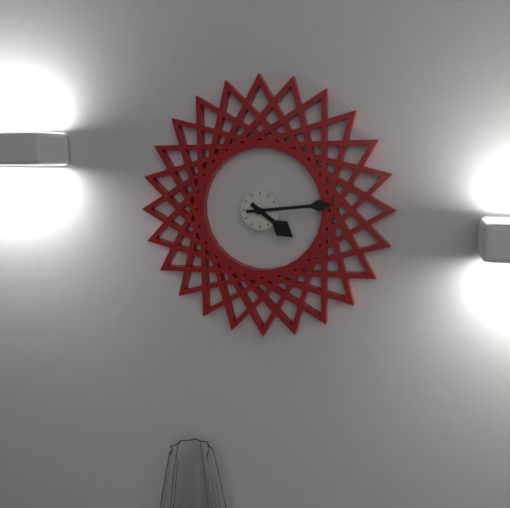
4.14
